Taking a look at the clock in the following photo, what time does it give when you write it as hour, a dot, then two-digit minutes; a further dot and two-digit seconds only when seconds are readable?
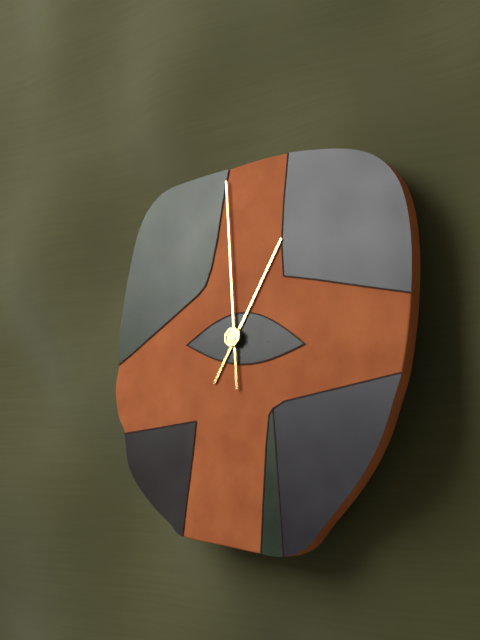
12.59
